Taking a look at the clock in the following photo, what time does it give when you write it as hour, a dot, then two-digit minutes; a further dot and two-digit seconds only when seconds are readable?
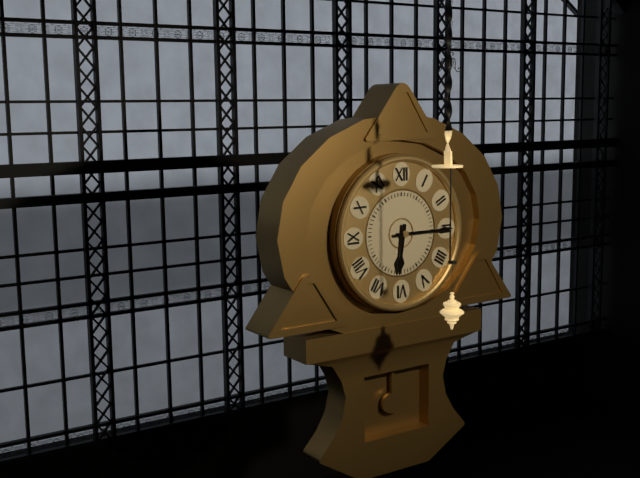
6.15
